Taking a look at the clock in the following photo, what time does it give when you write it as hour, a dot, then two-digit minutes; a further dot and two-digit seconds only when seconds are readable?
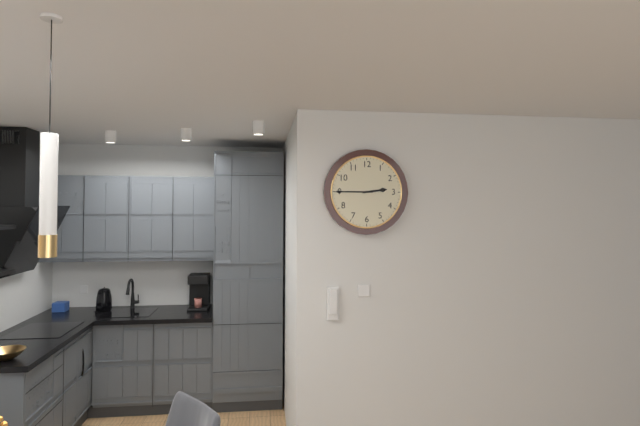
2.45
